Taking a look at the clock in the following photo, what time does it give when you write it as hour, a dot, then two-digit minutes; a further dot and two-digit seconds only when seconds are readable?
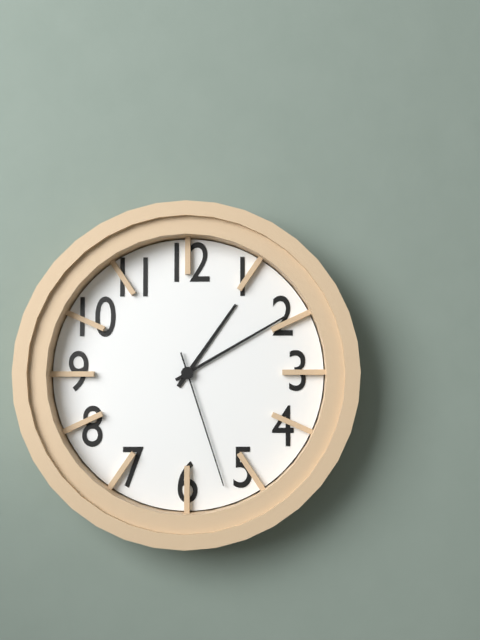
1.10.27
